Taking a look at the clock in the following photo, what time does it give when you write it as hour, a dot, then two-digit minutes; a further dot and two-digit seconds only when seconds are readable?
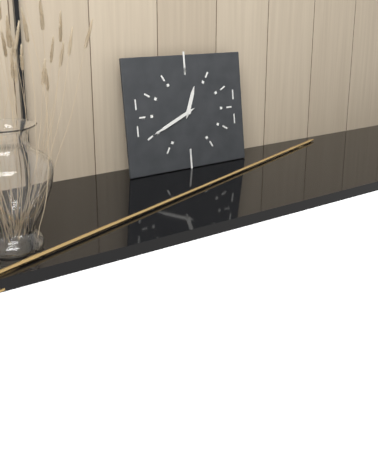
12.41
